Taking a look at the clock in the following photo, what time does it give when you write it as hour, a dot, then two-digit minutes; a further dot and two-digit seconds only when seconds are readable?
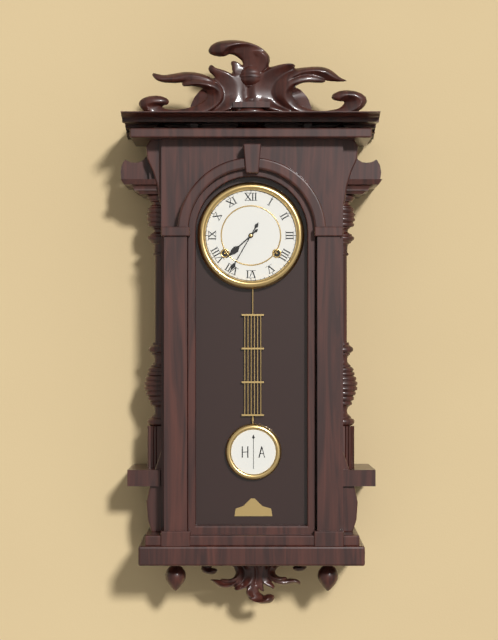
7.35
